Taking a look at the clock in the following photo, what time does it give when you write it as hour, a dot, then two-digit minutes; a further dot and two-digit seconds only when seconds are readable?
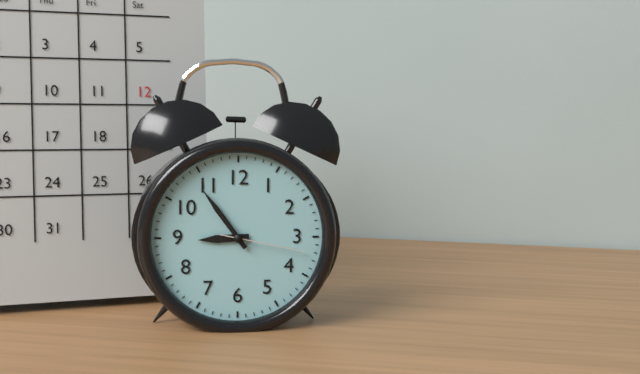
8.54.17
